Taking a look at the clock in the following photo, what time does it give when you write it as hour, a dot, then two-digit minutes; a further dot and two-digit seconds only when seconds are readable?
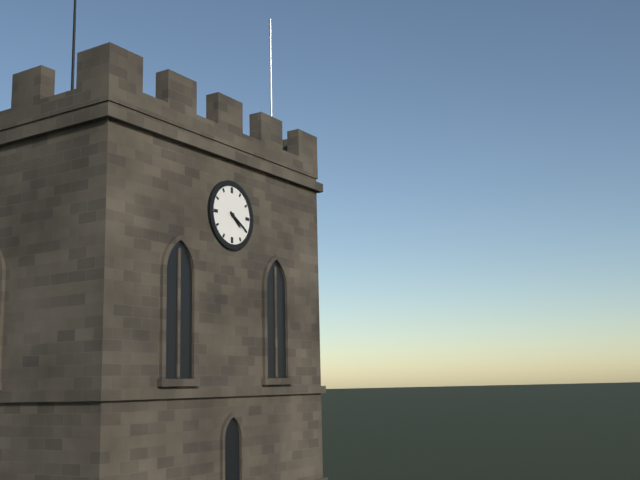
4.20
